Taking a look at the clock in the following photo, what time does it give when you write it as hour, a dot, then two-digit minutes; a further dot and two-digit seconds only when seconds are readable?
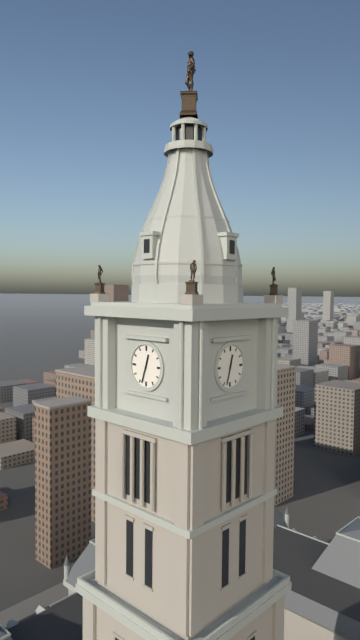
12.33
